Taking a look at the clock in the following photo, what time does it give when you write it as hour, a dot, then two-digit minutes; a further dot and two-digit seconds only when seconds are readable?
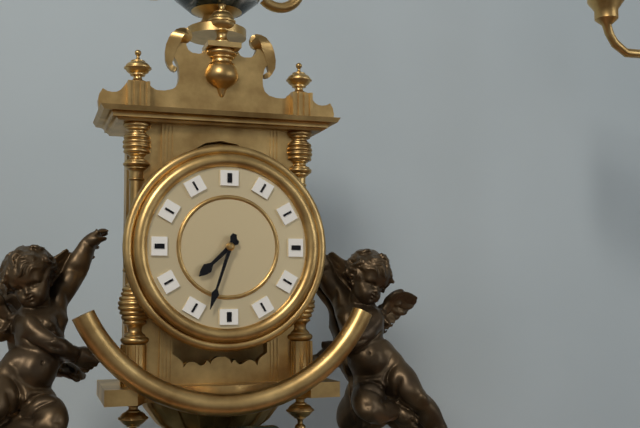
7.33
